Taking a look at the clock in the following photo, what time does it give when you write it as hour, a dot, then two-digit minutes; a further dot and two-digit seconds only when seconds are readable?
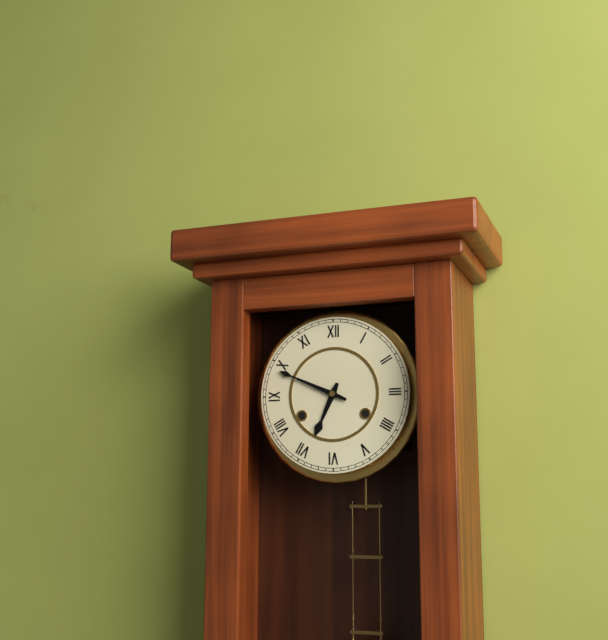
6.49
